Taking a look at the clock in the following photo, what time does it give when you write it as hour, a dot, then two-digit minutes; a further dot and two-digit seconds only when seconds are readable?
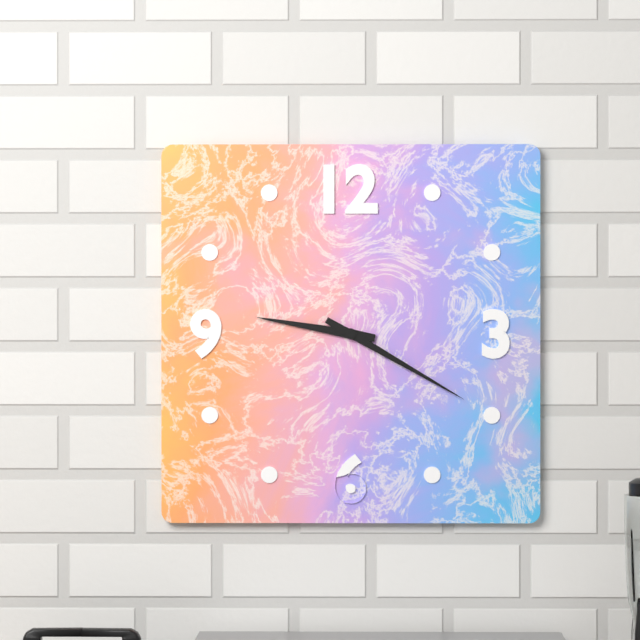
9.20
